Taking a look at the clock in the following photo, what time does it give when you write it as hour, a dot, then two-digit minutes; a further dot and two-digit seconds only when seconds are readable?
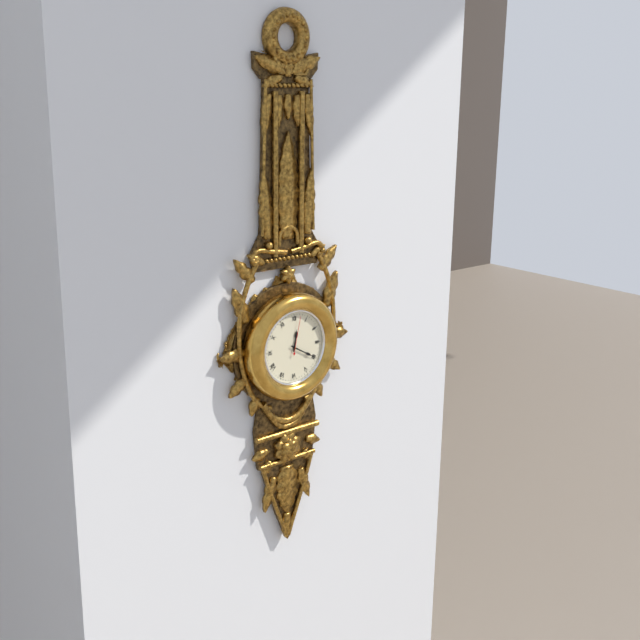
12.20
